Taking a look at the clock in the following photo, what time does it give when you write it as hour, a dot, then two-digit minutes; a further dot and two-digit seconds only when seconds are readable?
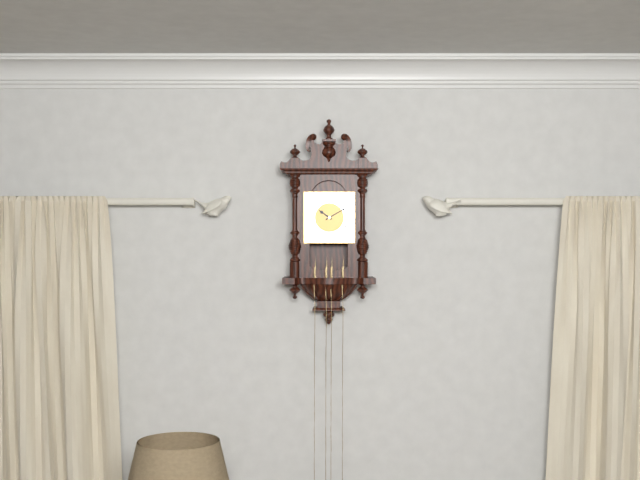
10.10
